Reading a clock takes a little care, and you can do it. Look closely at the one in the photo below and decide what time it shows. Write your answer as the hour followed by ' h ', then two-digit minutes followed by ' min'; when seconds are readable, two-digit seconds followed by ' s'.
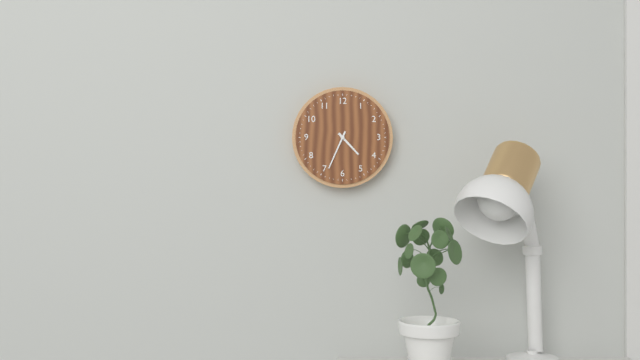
4 h 34 min
